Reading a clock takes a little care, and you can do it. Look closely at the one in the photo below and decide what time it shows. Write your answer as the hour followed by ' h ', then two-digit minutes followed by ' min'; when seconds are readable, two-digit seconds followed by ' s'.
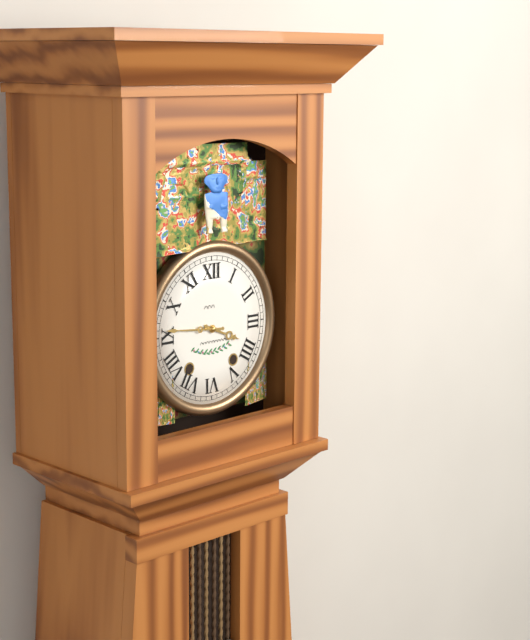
3 h 46 min
